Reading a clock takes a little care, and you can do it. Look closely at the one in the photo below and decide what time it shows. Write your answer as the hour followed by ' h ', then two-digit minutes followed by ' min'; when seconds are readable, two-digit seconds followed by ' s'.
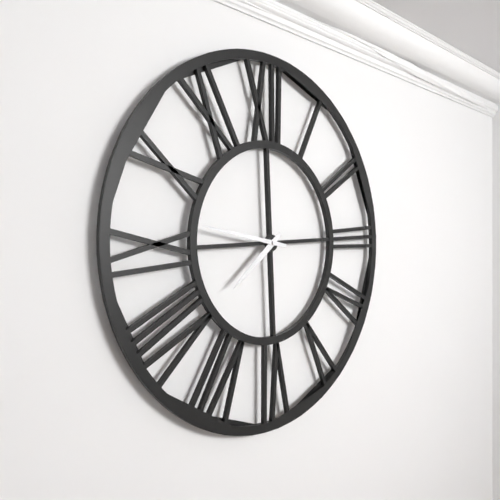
7 h 47 min
